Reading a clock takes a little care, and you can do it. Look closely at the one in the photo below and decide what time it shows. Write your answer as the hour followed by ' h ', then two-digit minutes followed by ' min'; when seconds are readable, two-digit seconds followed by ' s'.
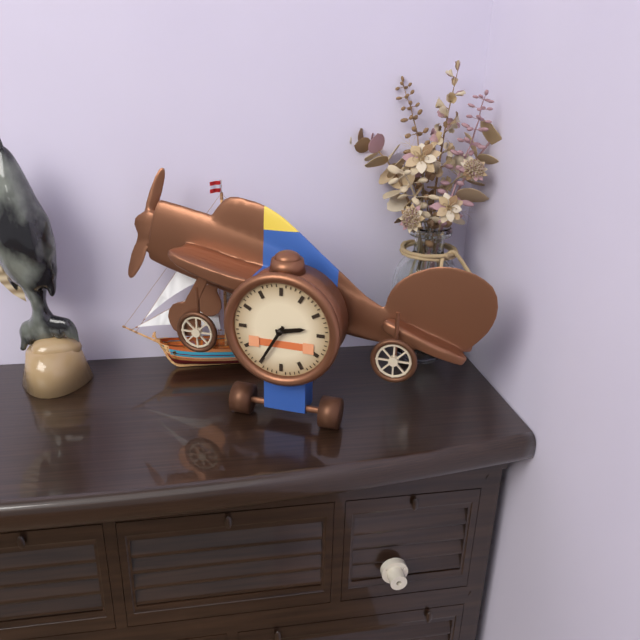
2 h 35 min
